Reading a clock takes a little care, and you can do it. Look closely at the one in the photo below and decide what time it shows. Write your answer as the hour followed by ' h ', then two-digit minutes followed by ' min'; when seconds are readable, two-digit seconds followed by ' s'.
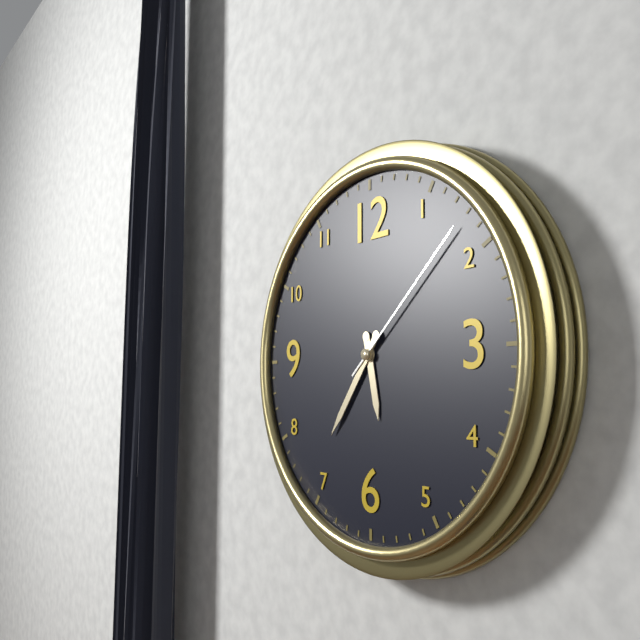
5 h 36 min 08 s
